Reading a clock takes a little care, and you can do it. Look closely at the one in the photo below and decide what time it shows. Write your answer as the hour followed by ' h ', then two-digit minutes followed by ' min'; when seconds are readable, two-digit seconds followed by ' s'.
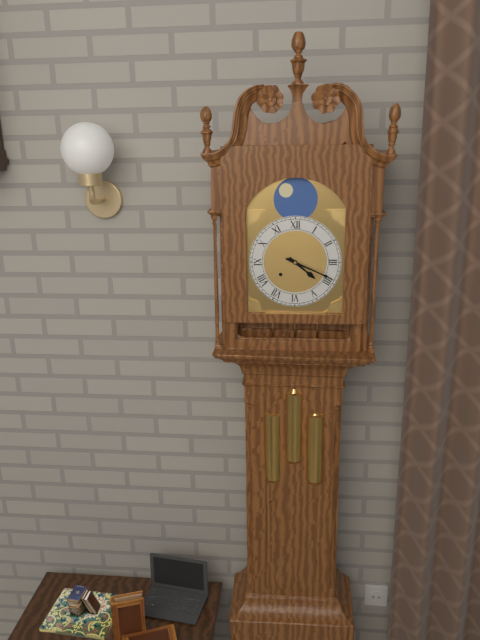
4 h 19 min
